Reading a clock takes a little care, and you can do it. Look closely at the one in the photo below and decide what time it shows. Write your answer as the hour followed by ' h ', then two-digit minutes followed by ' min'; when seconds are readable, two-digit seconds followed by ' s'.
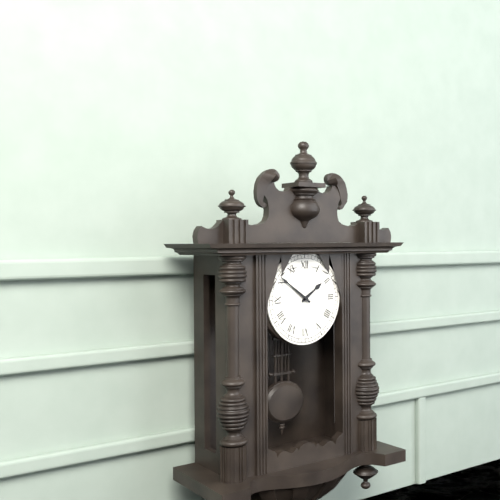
1 h 51 min
